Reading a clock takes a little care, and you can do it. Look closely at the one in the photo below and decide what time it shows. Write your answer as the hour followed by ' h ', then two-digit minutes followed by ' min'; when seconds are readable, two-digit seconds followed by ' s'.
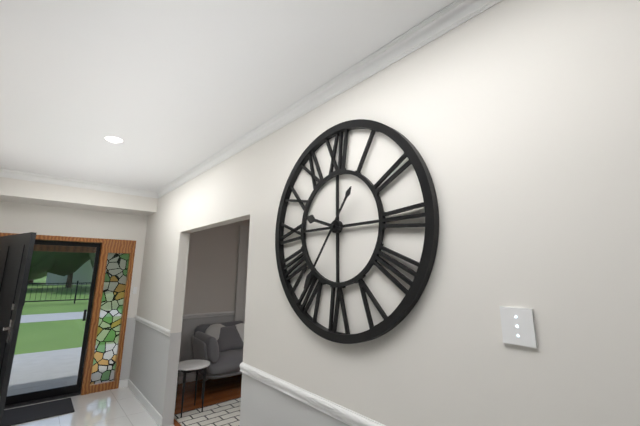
9 h 36 min
